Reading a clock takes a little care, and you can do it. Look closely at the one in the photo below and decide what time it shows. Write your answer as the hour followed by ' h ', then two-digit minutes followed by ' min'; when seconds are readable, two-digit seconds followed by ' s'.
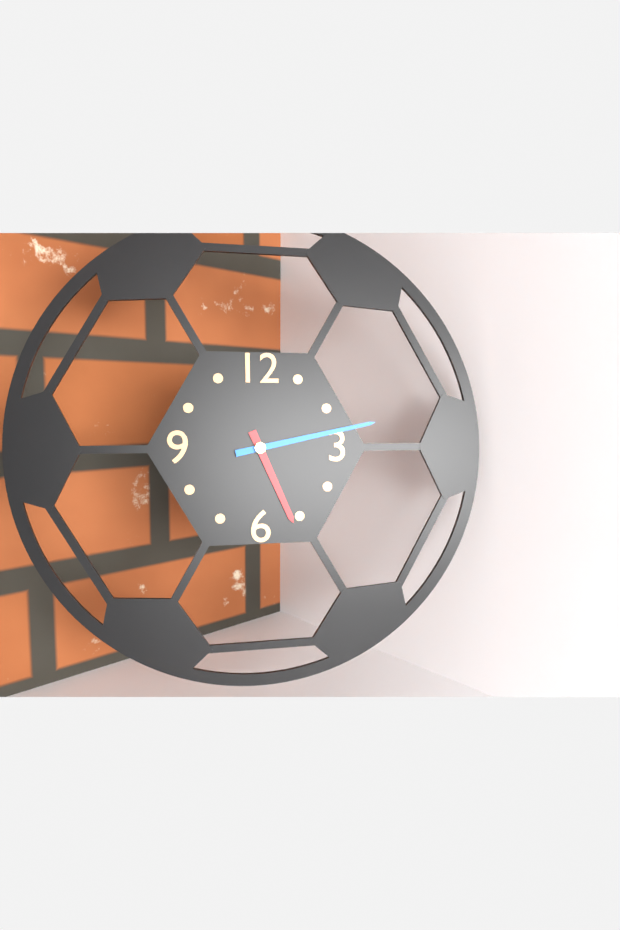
5 h 13 min
